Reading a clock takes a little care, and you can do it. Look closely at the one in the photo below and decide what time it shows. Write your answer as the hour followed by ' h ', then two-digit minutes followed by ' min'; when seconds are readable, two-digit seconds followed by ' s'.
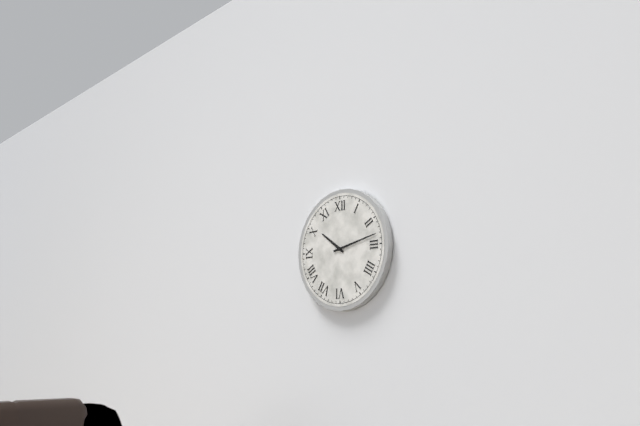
10 h 13 min
